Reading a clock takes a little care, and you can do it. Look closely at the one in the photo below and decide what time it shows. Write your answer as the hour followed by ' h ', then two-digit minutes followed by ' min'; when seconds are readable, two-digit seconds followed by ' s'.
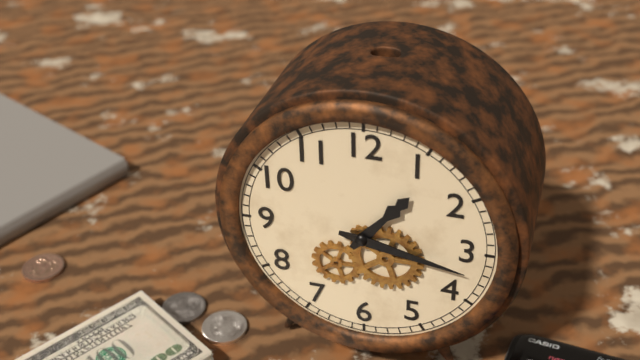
1 h 17 min
